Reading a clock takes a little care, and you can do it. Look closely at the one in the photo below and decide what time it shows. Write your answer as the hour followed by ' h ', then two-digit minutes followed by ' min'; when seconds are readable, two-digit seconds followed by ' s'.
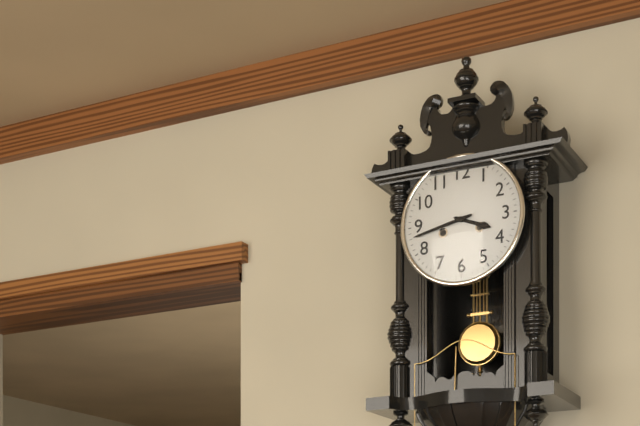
3 h 43 min
